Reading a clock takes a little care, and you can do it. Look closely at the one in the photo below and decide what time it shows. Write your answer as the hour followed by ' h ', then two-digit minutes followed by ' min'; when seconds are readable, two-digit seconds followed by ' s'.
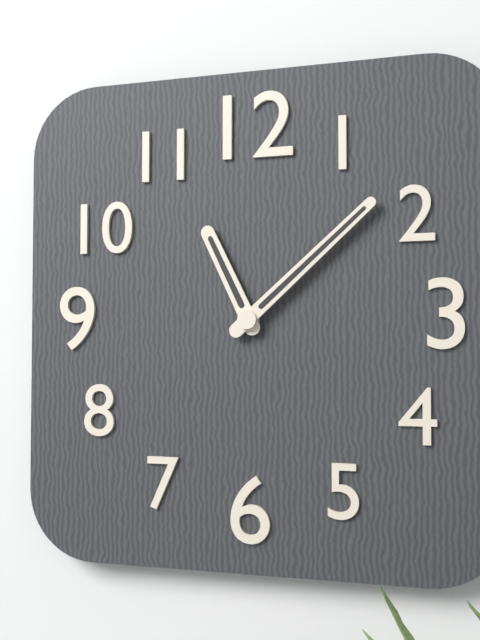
11 h 08 min
